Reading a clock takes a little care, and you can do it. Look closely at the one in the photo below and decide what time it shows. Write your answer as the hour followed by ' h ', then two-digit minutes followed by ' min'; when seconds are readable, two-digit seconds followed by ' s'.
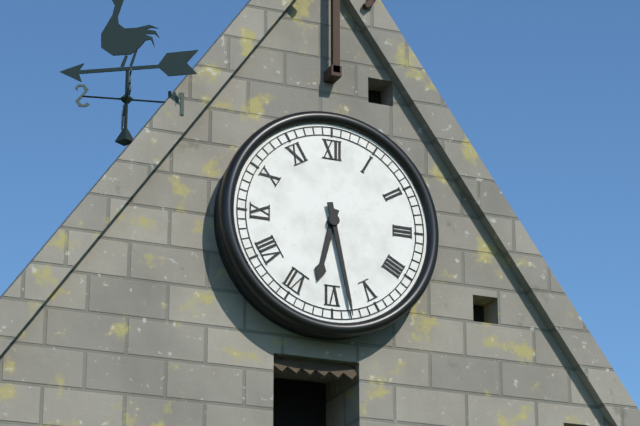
6 h 28 min
